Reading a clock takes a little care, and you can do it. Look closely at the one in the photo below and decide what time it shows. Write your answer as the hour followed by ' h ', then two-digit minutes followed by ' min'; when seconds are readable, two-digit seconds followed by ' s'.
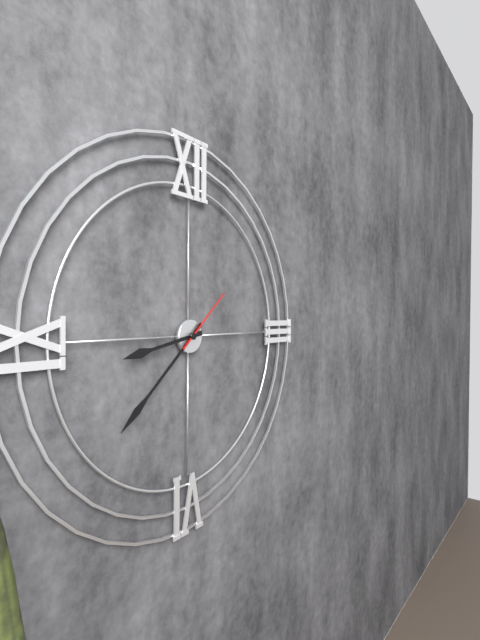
8 h 38 min 08 s
